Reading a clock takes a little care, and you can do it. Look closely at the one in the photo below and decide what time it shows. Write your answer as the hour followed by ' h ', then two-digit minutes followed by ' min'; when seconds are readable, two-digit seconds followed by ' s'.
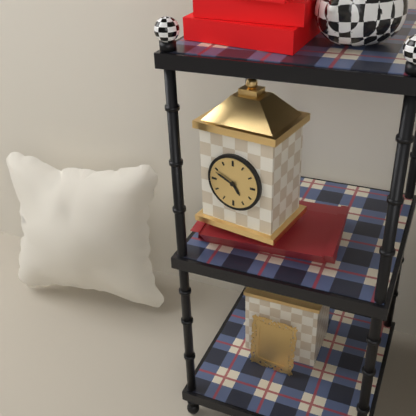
4 h 49 min
